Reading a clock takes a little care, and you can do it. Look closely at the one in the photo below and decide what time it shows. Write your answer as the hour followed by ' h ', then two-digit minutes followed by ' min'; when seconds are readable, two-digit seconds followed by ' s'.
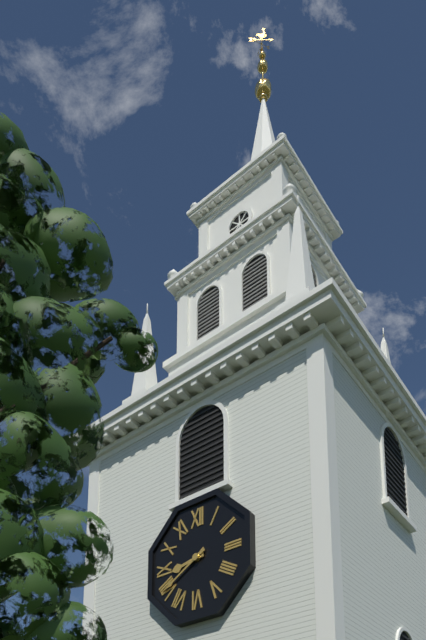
8 h 40 min
